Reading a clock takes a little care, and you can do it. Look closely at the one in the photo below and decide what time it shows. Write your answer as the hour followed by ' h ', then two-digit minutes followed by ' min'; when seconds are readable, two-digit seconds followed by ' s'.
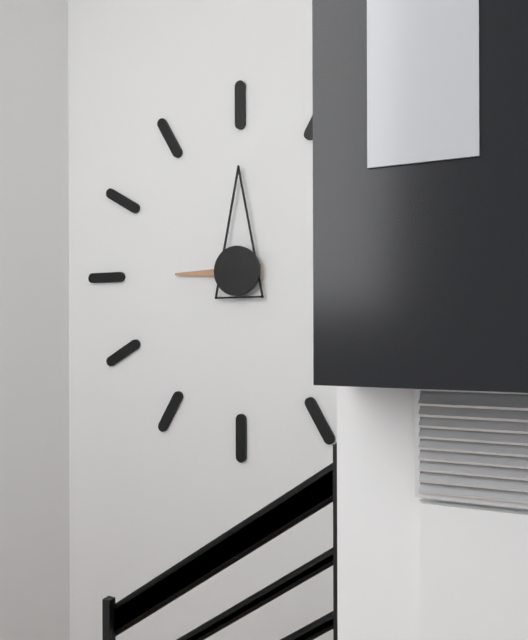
9 h 00 min
